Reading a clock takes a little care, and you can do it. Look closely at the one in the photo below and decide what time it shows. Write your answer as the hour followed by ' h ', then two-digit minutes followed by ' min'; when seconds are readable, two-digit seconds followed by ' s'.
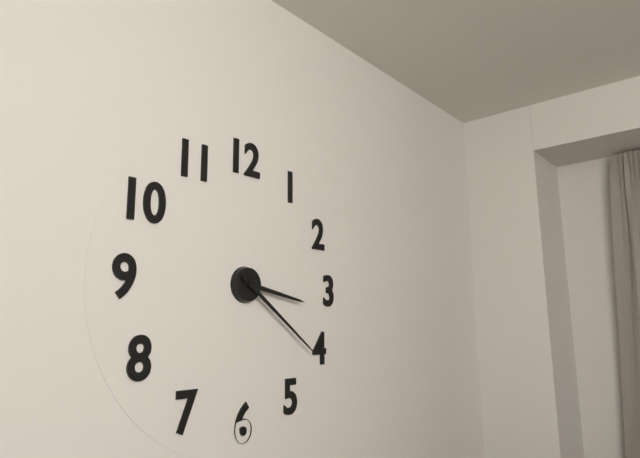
3 h 21 min
